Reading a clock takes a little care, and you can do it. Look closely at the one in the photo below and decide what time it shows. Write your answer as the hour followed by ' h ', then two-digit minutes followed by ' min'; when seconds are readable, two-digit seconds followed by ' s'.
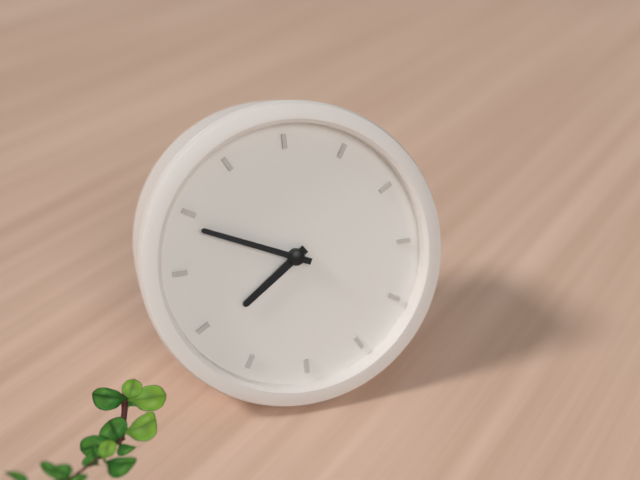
7 h 49 min
